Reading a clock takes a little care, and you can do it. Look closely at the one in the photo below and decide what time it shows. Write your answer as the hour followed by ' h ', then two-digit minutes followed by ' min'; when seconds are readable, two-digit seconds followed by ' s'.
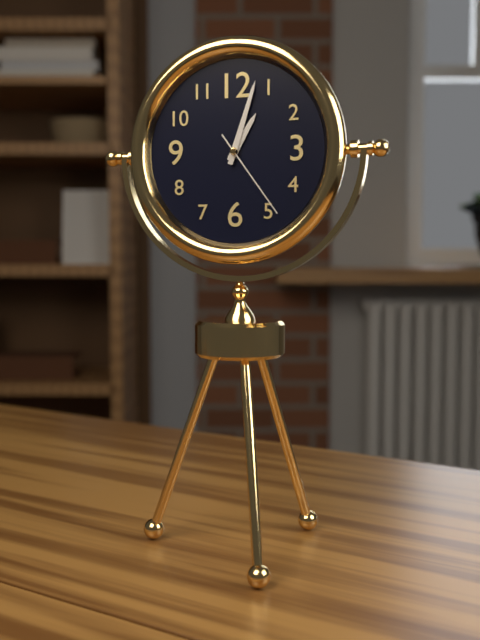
1 h 03 min 24 s
